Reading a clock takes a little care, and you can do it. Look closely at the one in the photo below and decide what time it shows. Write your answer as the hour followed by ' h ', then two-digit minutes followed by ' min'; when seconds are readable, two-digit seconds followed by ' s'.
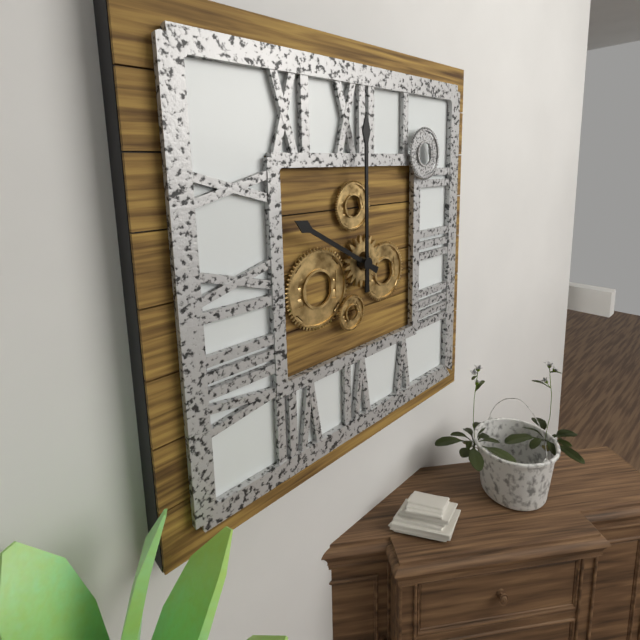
10 h 00 min
